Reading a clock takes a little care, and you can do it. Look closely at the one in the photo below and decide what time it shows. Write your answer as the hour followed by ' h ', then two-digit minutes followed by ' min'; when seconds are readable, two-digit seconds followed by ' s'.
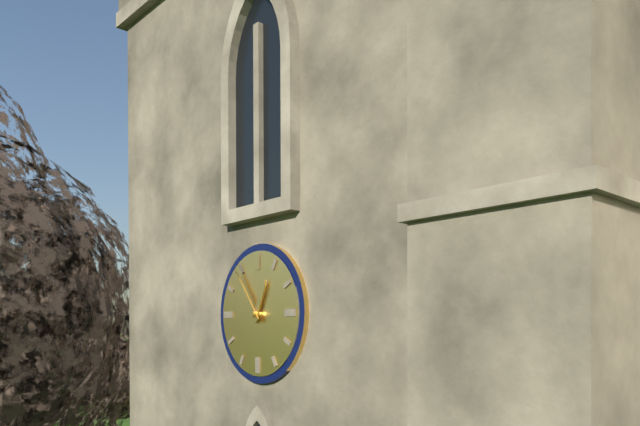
12 h 54 min
